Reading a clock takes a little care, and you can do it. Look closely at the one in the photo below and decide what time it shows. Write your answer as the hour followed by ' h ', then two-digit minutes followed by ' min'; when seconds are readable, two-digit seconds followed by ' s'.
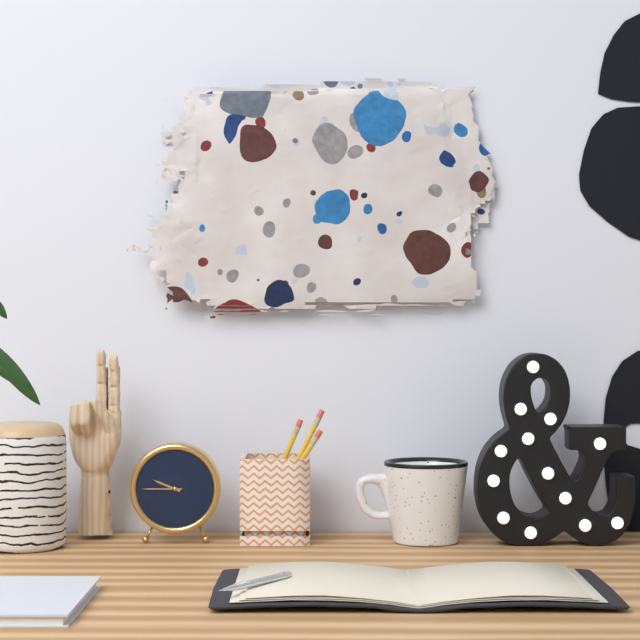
9 h 45 min
